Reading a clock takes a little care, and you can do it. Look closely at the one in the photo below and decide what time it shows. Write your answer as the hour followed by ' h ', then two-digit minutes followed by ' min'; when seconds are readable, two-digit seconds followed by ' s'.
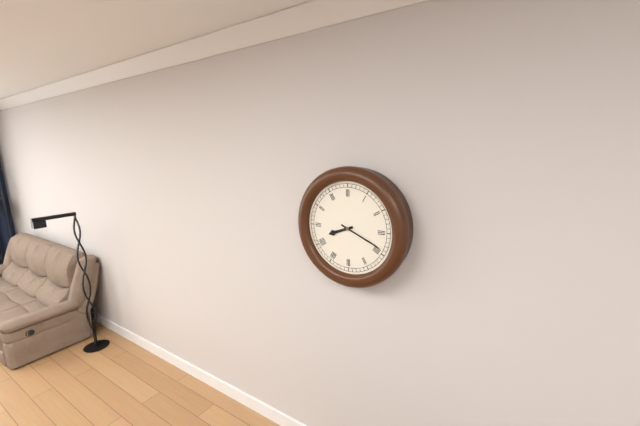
8 h 19 min
